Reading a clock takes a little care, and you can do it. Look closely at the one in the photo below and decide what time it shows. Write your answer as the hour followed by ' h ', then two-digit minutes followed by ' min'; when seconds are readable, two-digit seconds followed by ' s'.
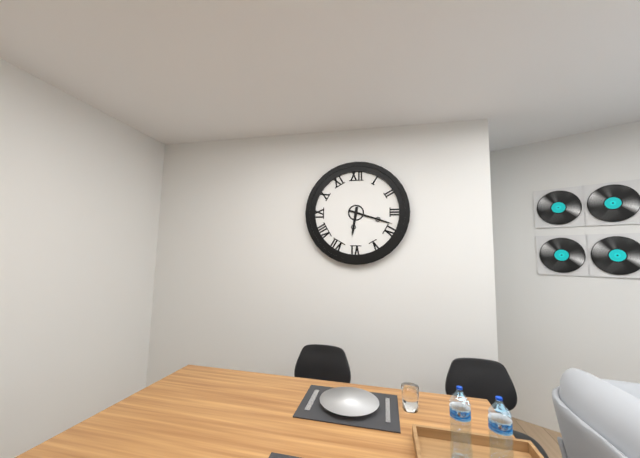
6 h 18 min
